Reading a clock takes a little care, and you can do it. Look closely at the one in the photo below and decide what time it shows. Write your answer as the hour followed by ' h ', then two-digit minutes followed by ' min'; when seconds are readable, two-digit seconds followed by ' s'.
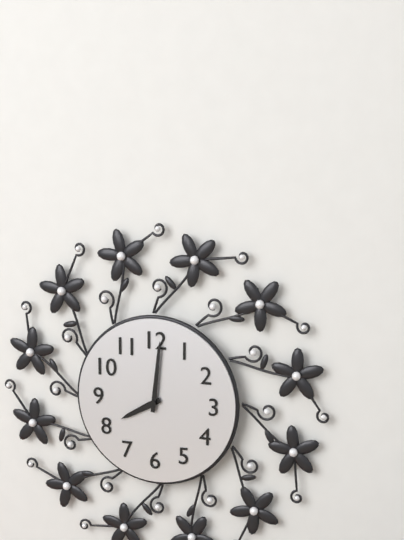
8 h 01 min
